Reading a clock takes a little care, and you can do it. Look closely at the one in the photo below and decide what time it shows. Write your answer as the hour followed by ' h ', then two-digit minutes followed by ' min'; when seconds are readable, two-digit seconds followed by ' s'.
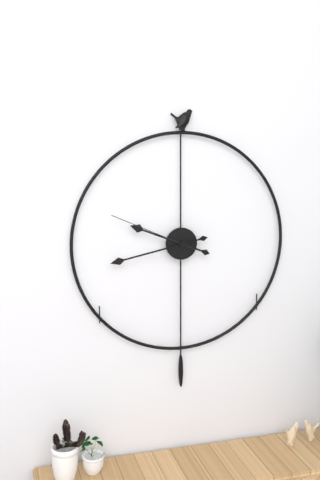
9 h 43 min 49 s
